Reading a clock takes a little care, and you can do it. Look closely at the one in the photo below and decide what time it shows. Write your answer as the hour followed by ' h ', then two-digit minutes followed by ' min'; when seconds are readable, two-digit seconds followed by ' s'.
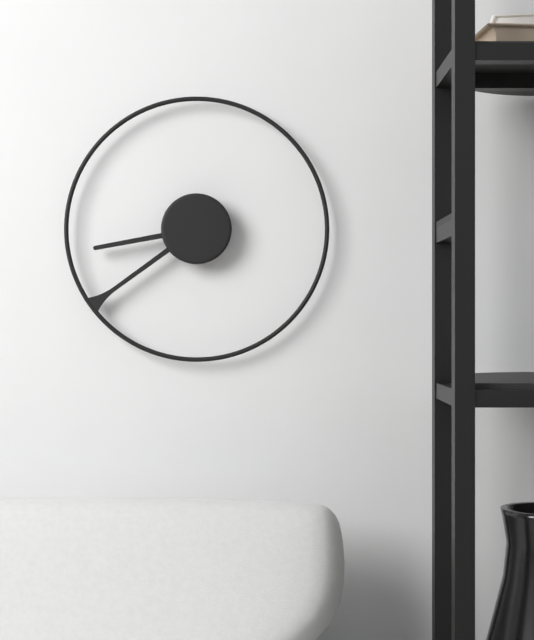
8 h 39 min
